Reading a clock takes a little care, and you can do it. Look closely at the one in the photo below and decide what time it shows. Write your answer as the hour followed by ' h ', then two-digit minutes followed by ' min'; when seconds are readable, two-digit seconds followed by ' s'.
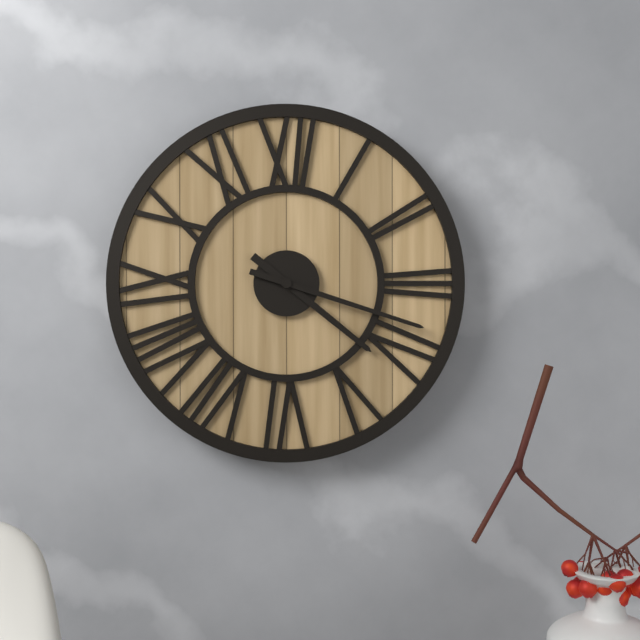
4 h 18 min
